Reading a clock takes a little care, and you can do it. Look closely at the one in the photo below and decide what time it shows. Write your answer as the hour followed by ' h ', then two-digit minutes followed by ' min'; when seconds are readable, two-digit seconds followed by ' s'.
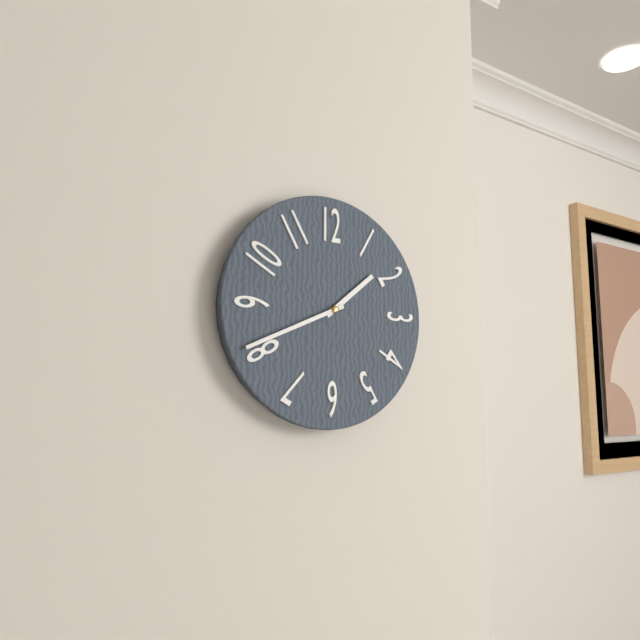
1 h 41 min
